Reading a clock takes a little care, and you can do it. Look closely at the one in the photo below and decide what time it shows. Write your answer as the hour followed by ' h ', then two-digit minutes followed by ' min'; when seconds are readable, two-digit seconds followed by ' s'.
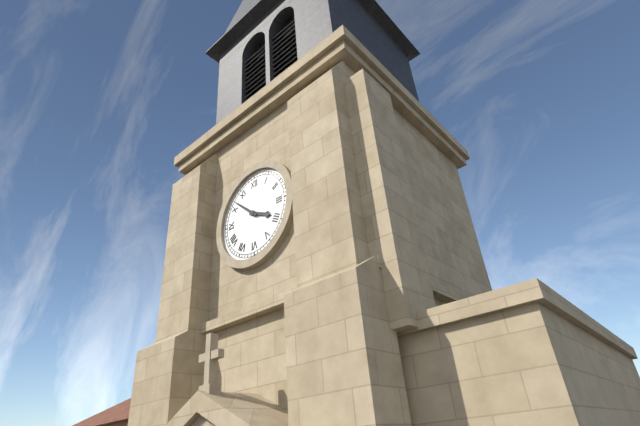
3 h 52 min
